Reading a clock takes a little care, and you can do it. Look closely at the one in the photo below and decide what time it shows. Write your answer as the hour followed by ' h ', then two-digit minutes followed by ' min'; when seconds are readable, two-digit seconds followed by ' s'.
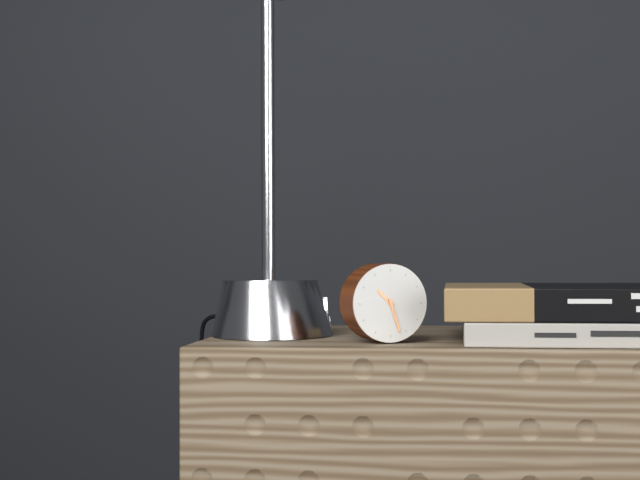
10 h 27 min
